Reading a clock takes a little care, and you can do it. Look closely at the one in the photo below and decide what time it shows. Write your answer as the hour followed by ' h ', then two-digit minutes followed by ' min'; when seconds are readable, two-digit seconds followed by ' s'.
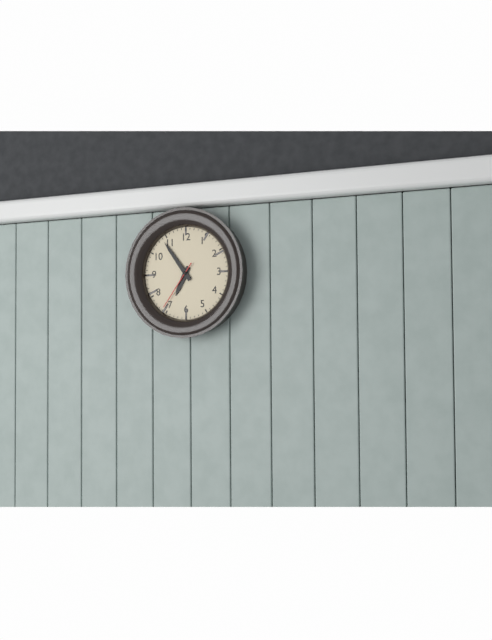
6 h 54 min 36 s
